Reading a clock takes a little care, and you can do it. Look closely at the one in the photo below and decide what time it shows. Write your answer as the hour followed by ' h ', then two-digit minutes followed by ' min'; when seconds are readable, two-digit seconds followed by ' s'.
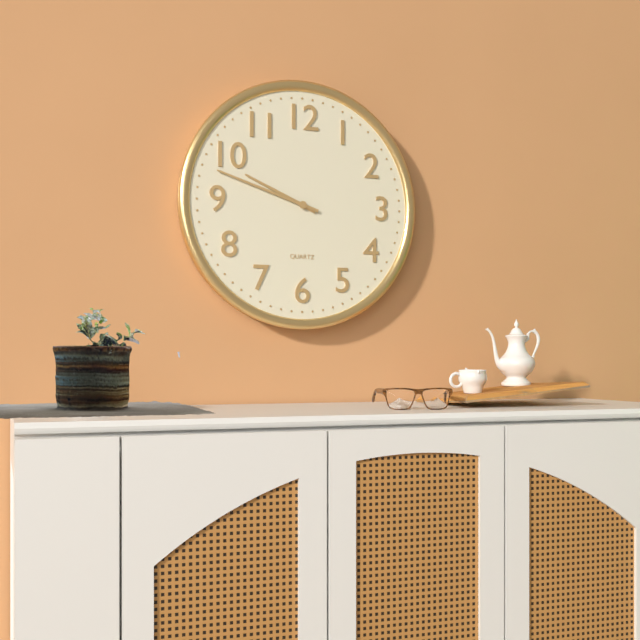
9 h 48 min
